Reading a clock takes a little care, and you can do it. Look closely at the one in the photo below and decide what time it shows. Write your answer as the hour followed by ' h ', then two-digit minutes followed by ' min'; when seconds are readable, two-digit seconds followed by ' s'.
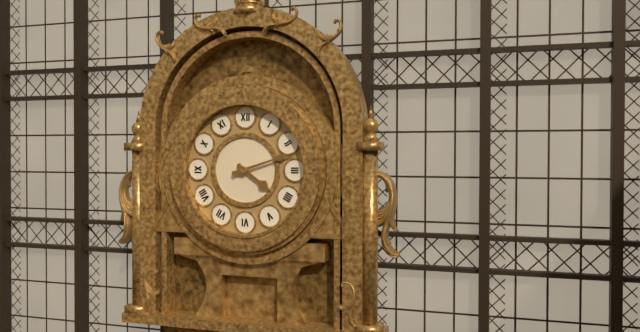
4 h 12 min
